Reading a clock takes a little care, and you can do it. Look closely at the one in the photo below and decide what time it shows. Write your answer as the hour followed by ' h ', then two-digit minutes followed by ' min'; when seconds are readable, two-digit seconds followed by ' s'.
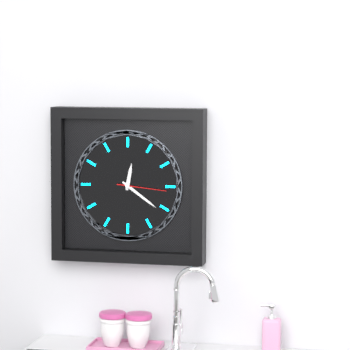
12 h 21 min
